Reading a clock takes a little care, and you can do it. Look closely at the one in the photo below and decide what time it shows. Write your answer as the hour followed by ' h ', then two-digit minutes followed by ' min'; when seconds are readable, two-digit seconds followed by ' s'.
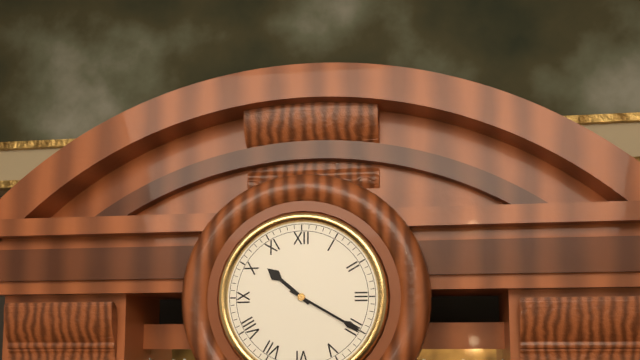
10 h 20 min
